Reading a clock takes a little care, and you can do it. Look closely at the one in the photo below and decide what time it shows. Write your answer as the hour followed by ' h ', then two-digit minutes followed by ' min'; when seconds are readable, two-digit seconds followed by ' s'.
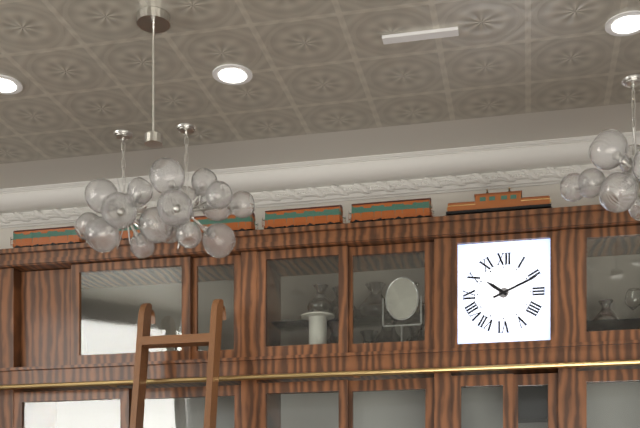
10 h 11 min
